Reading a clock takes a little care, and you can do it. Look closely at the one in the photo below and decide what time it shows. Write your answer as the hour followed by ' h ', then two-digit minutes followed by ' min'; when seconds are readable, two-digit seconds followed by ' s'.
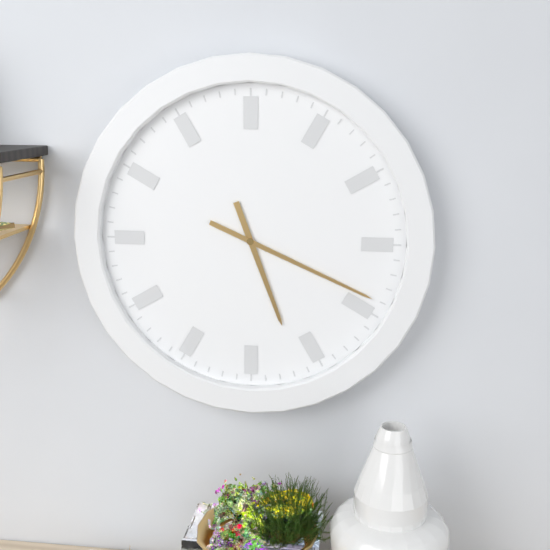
5 h 19 min
